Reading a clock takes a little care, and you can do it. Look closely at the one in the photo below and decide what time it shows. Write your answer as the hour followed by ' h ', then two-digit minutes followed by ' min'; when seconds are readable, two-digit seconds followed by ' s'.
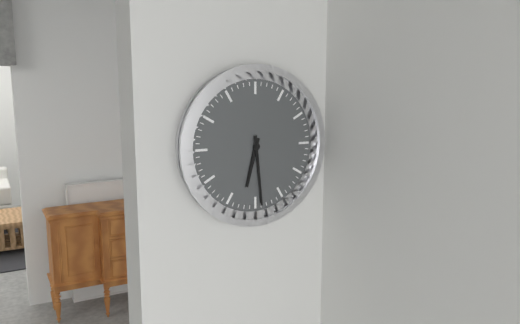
6 h 29 min
